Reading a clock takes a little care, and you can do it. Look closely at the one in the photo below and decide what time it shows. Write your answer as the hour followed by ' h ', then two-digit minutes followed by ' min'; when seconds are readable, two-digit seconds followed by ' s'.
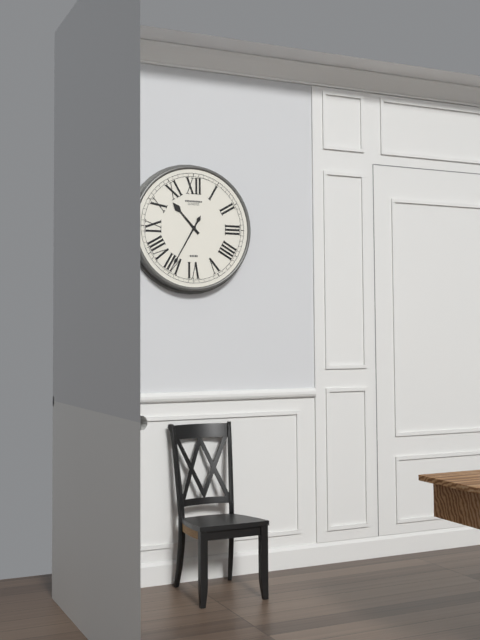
10 h 35 min
